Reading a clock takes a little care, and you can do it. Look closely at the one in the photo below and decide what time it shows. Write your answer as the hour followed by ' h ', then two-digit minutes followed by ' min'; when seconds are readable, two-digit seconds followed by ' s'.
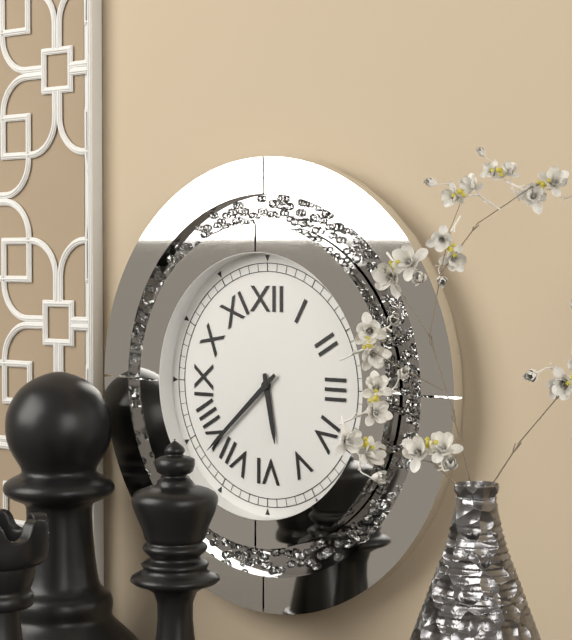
5 h 38 min
